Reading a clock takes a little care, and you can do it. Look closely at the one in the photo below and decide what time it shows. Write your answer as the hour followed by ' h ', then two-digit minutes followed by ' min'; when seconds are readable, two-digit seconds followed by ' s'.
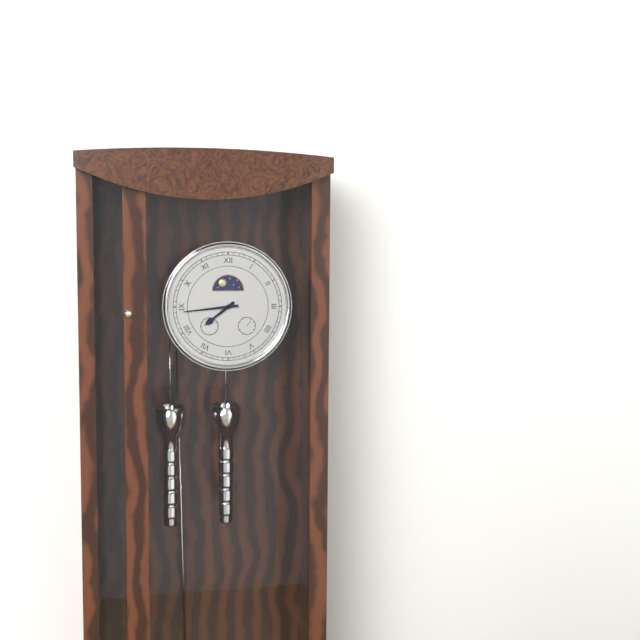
7 h 44 min
